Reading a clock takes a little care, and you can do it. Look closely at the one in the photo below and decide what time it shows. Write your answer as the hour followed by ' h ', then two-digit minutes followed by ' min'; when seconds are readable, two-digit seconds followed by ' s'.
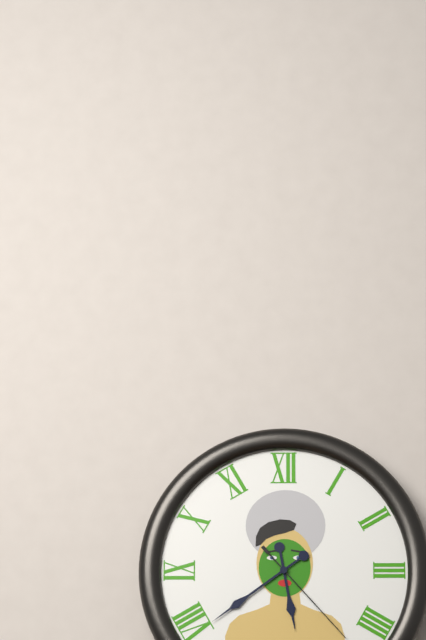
5 h 39 min 23 s
